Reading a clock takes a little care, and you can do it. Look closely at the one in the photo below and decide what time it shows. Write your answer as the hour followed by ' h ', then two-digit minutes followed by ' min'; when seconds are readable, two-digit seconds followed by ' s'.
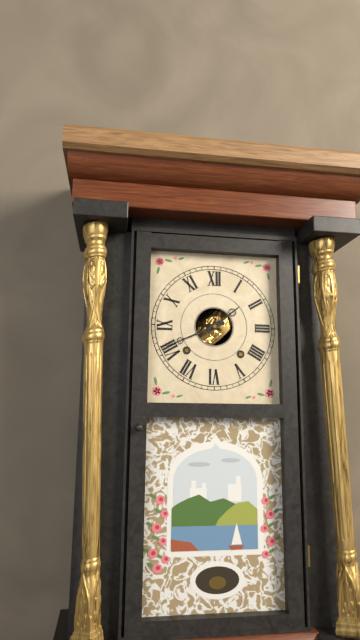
1 h 41 min
